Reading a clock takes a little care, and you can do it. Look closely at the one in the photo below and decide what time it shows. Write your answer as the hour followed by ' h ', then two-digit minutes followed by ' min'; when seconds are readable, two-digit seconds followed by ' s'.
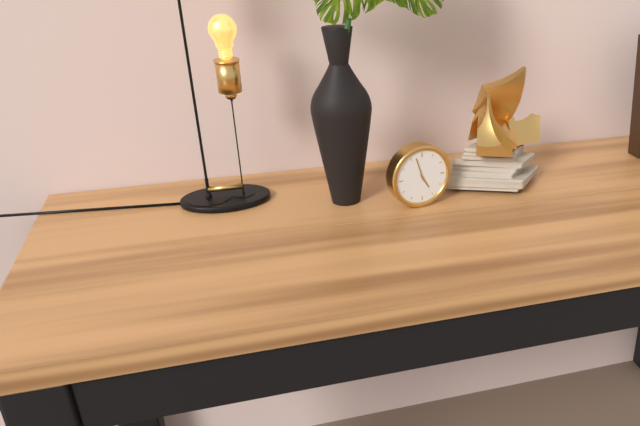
4 h 57 min
